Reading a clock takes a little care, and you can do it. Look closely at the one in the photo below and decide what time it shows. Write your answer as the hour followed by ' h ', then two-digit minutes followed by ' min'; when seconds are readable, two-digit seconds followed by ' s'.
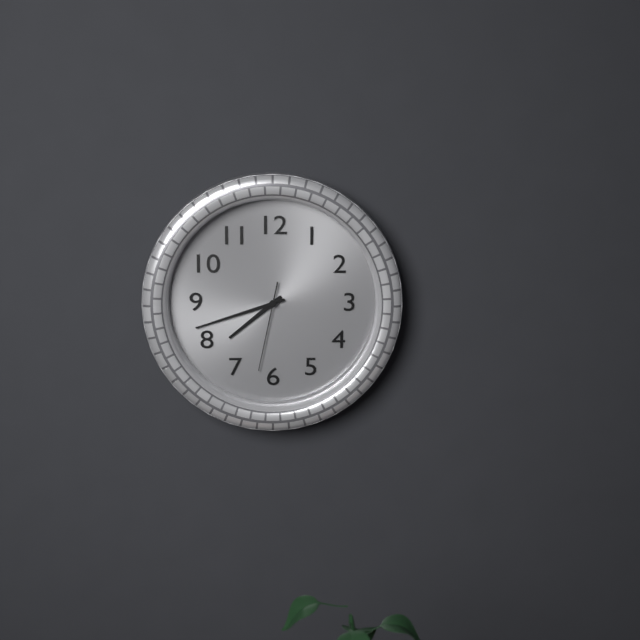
7 h 42 min 32 s
